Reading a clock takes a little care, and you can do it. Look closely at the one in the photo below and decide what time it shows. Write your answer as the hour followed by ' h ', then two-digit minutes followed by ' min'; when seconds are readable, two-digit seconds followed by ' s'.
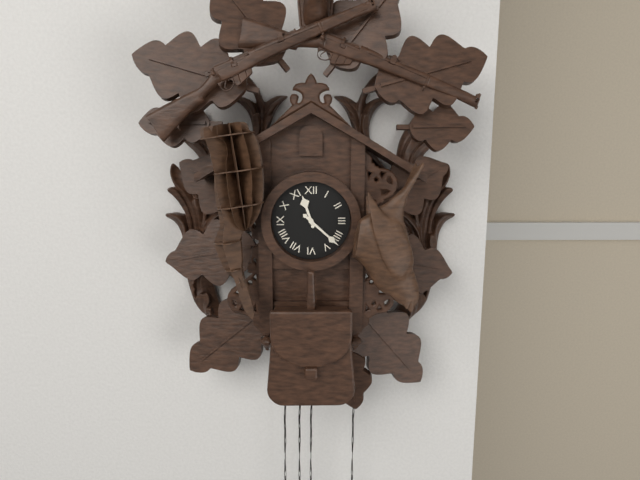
11 h 22 min
